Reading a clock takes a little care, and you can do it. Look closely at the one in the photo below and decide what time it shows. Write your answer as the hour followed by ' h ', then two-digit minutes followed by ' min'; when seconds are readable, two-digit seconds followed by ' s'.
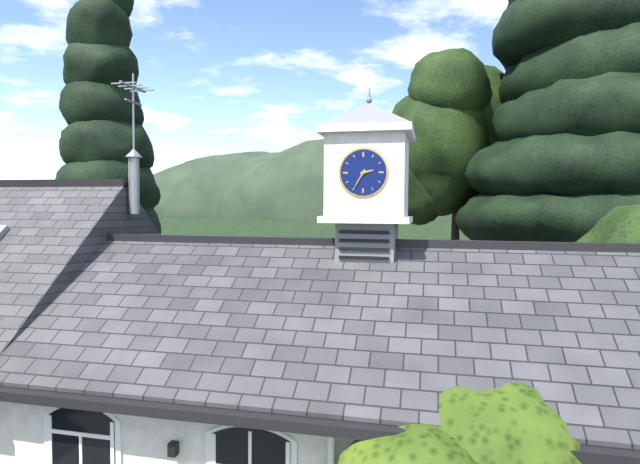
2 h 35 min
